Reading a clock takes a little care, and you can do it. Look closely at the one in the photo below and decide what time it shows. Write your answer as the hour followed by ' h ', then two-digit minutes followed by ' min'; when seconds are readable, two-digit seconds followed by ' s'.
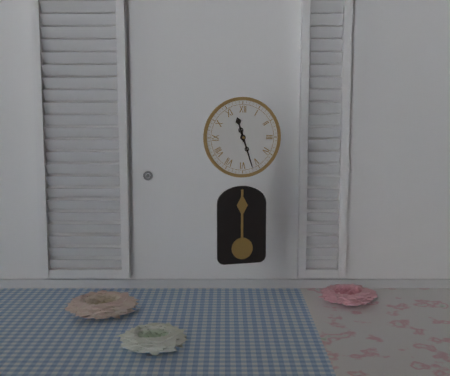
11 h 27 min
